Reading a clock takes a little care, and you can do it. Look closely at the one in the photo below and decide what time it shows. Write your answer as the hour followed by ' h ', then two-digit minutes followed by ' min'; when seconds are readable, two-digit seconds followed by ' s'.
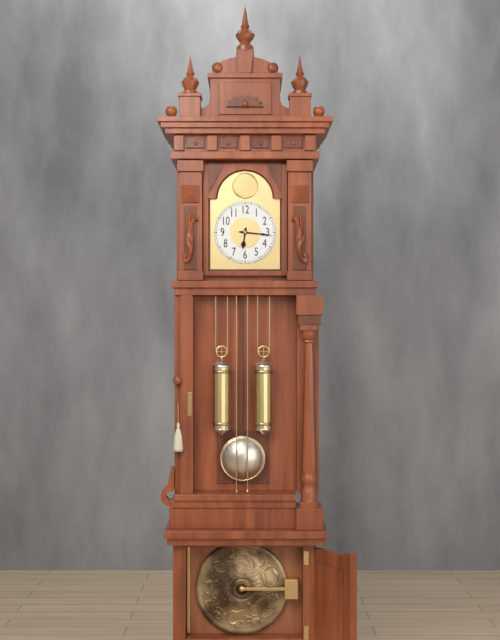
6 h 16 min
